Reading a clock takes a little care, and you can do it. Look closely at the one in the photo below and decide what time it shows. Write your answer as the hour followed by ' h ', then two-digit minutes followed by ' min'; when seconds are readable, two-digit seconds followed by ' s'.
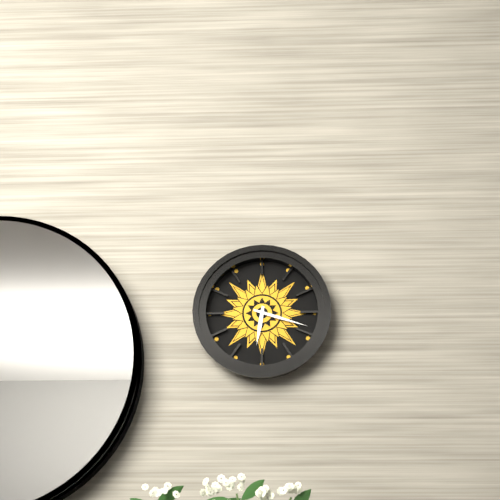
6 h 18 min
